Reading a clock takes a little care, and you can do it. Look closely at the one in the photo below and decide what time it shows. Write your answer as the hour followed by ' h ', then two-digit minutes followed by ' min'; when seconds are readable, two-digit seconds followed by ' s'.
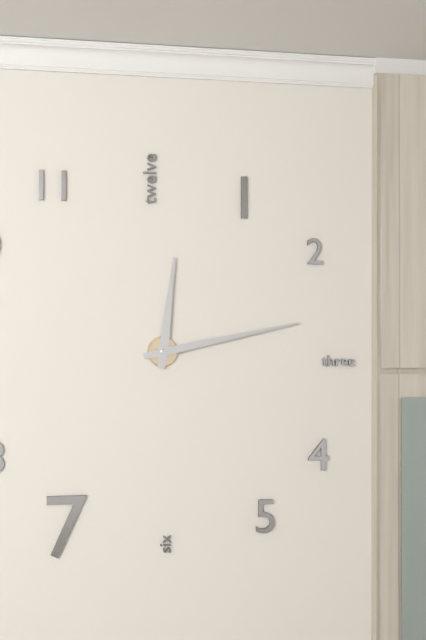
12 h 13 min
